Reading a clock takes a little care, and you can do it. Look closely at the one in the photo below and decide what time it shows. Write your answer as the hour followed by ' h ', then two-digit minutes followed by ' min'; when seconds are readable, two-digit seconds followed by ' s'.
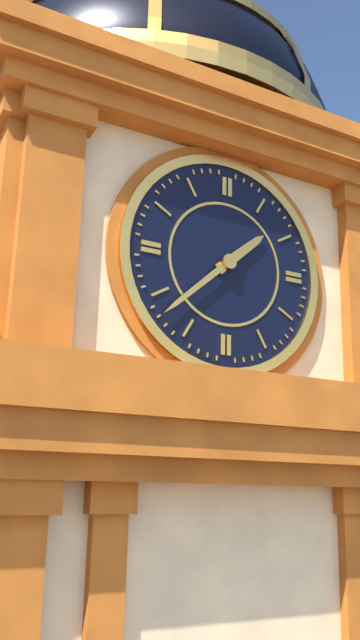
1 h 38 min
